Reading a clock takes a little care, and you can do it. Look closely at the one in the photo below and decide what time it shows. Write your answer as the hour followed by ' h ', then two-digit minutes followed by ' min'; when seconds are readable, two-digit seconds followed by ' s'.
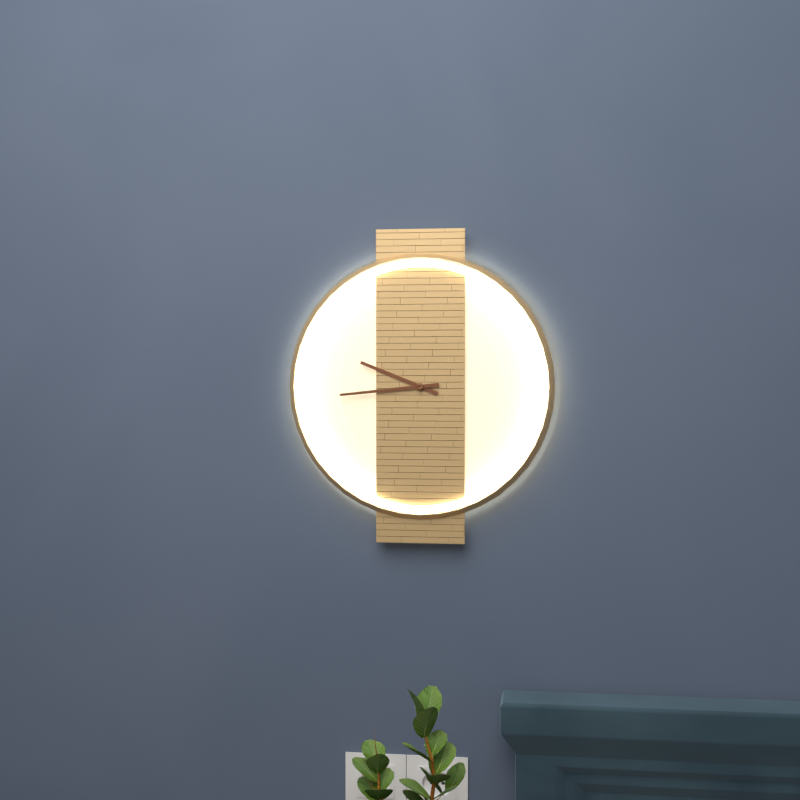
9 h 44 min
